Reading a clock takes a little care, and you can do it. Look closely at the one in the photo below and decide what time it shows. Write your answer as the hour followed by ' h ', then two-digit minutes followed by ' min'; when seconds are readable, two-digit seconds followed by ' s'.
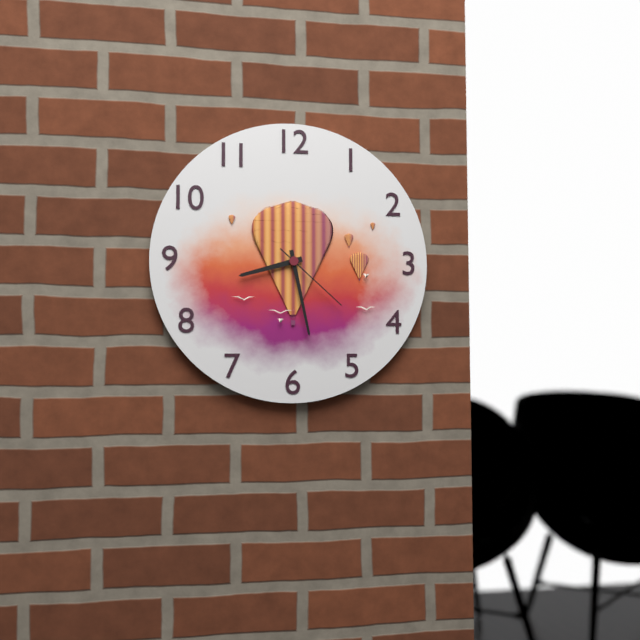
8 h 28 min 22 s
